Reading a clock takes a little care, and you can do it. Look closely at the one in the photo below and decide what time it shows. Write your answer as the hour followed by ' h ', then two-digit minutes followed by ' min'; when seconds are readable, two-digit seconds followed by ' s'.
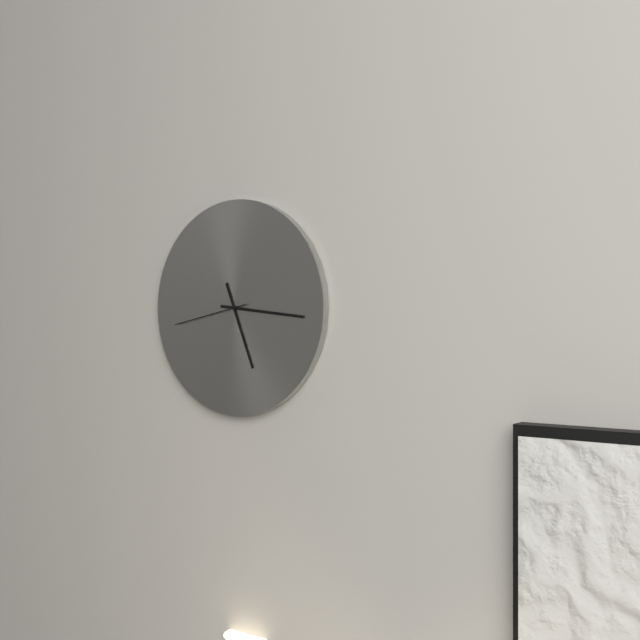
5 h 16 min 43 s
